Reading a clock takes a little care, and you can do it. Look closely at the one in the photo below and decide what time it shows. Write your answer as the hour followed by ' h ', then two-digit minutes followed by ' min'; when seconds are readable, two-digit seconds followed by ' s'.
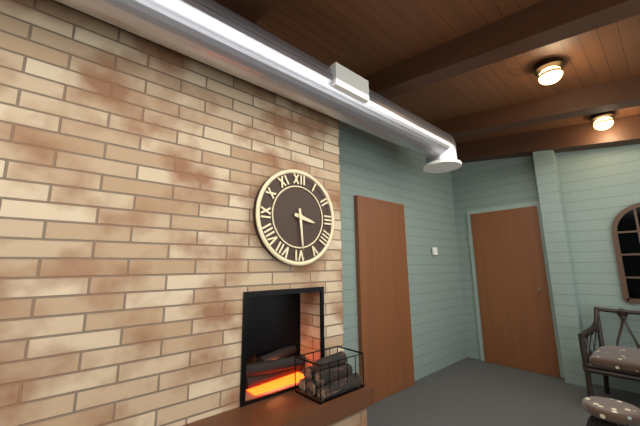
3 h 29 min
